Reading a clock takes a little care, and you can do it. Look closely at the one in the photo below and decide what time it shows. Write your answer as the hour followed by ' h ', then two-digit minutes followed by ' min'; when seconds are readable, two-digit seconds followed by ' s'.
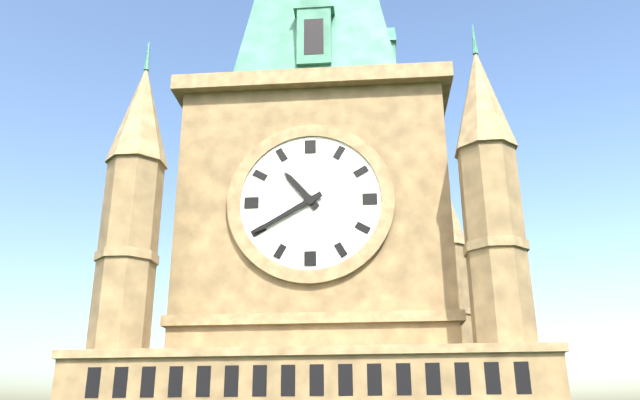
10 h 40 min
